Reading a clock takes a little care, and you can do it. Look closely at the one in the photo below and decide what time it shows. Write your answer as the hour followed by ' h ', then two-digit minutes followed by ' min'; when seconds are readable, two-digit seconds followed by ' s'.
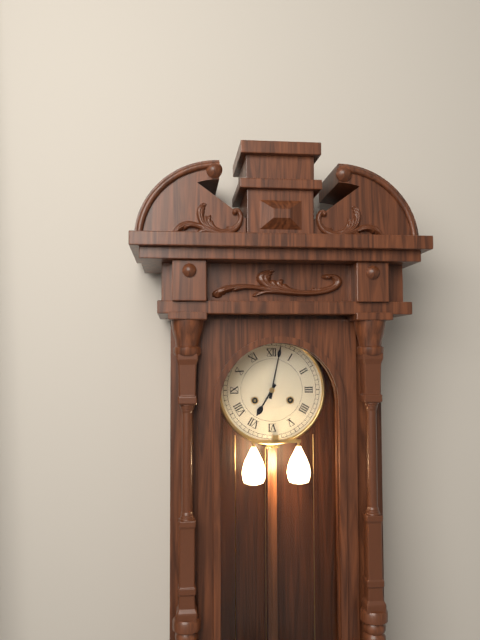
7 h 02 min
